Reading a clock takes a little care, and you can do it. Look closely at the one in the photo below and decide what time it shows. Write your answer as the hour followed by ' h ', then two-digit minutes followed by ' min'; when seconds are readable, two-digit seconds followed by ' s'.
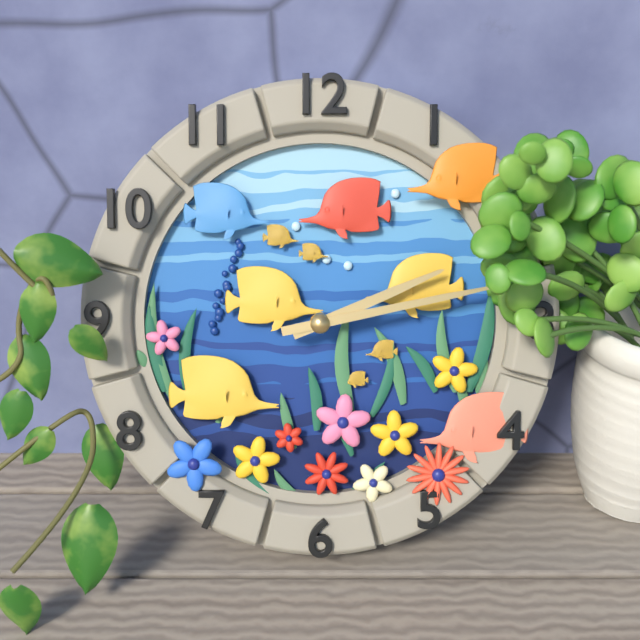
2 h 13 min
